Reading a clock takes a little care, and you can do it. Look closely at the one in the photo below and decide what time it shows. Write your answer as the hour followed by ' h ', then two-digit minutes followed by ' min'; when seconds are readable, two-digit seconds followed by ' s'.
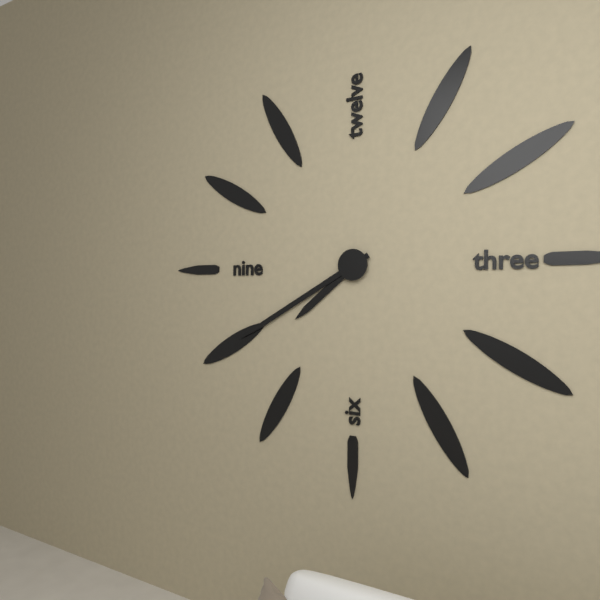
7 h 40 min
